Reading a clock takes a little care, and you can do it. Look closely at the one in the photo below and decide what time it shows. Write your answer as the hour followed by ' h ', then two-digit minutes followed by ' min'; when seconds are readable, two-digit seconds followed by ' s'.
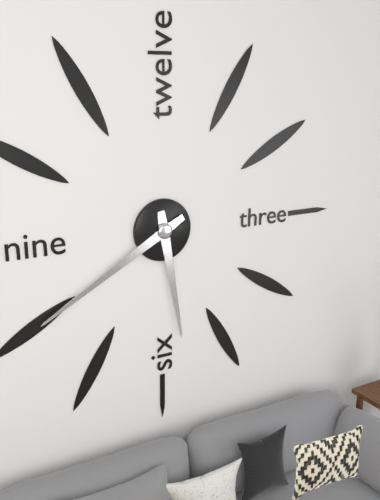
5 h 40 min
